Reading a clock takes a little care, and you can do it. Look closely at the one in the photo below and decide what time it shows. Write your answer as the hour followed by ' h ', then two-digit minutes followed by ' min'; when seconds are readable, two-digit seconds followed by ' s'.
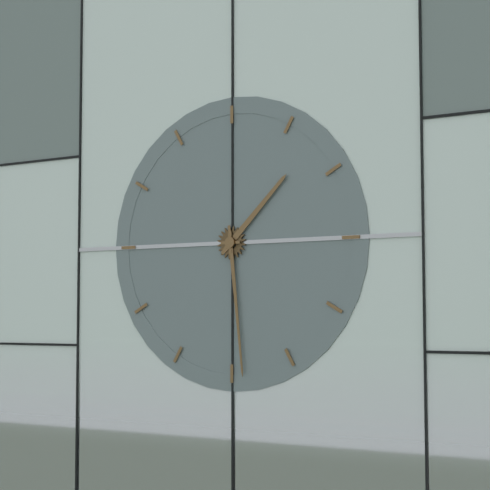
1 h 29 min
